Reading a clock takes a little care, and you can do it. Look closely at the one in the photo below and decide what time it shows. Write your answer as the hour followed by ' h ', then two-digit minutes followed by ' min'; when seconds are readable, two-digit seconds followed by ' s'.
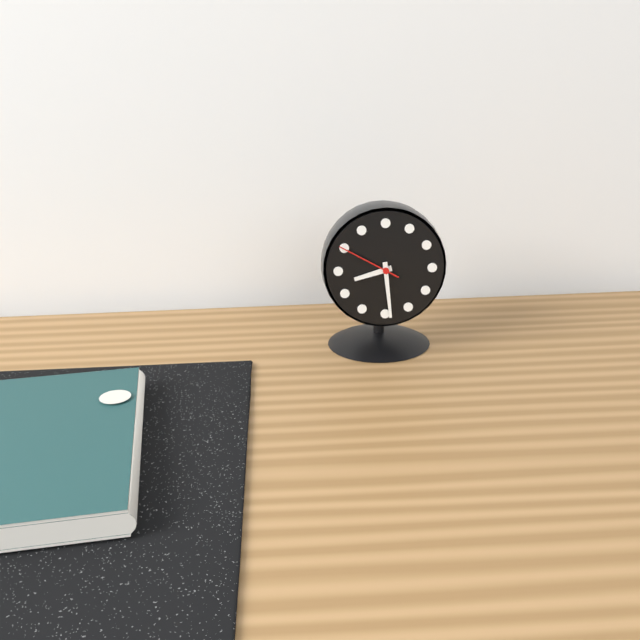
8 h 29 min 50 s
